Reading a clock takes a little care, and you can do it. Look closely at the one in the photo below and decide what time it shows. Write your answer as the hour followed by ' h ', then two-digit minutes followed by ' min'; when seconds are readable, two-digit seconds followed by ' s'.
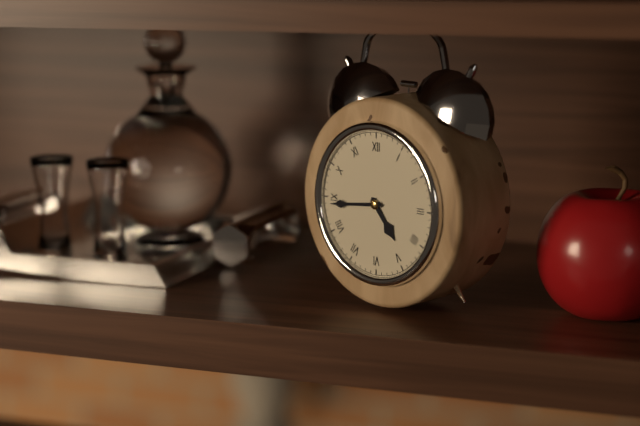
4 h 44 min
